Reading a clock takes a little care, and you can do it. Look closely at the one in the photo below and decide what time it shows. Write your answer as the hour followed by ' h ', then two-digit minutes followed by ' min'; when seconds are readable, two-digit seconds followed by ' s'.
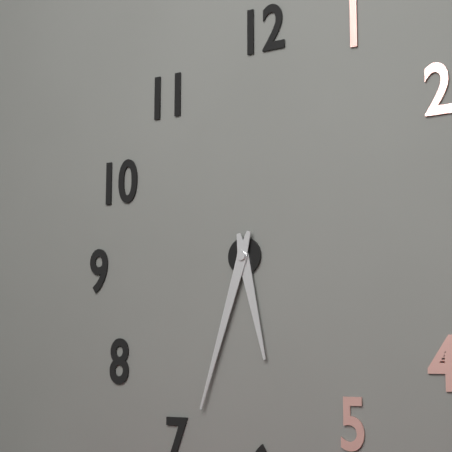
5 h 33 min
